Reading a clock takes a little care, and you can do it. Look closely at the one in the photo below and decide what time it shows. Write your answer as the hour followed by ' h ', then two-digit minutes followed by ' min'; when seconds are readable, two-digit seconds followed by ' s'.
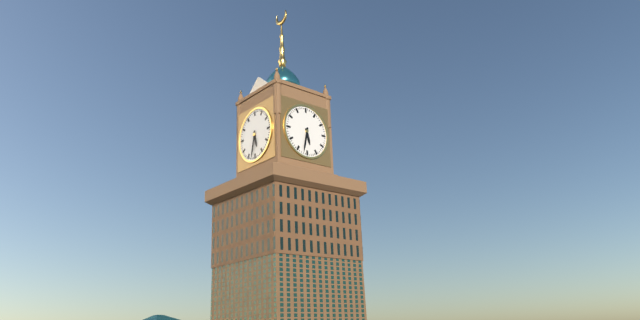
5 h 32 min
